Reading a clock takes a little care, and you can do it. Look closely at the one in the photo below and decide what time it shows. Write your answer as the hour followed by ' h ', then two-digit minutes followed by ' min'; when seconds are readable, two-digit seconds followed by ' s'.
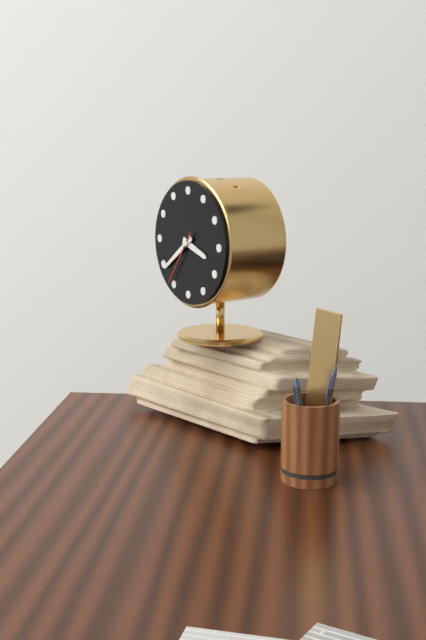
3 h 39 min 36 s
